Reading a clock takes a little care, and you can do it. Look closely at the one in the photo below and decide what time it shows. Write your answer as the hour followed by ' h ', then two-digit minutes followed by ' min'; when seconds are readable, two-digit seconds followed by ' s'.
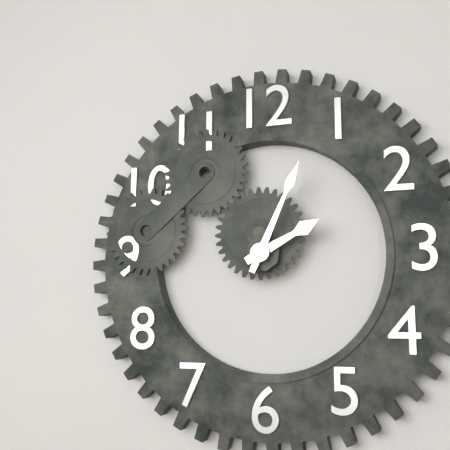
2 h 04 min
